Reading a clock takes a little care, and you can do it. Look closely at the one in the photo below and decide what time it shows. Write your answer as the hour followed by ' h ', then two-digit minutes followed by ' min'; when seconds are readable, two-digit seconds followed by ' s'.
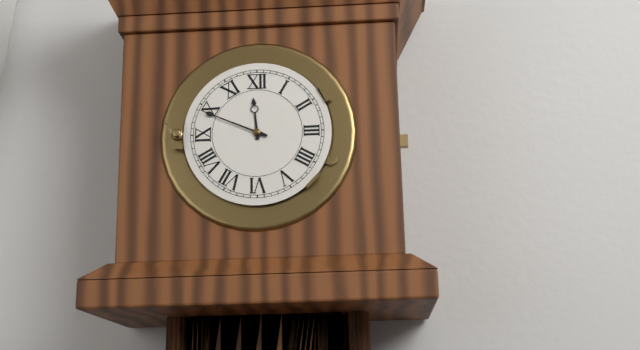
11 h 49 min
